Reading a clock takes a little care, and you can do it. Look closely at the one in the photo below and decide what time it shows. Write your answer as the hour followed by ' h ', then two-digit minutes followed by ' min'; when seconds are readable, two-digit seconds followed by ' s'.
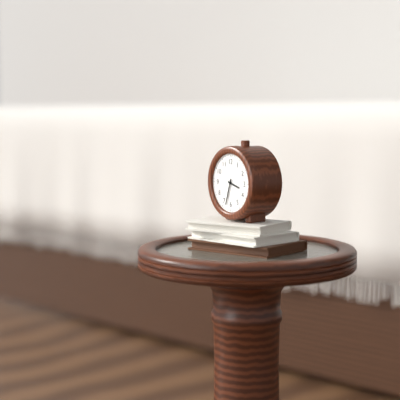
3 h 33 min
